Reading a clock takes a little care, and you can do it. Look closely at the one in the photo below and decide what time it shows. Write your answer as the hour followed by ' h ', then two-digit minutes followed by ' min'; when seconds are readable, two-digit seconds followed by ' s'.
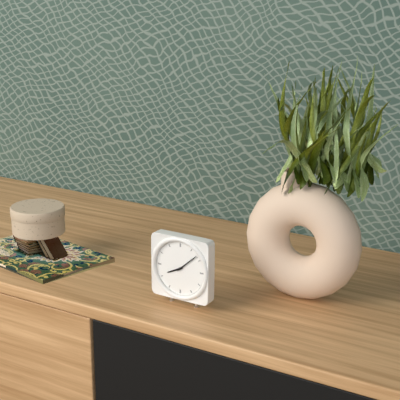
8 h 08 min
